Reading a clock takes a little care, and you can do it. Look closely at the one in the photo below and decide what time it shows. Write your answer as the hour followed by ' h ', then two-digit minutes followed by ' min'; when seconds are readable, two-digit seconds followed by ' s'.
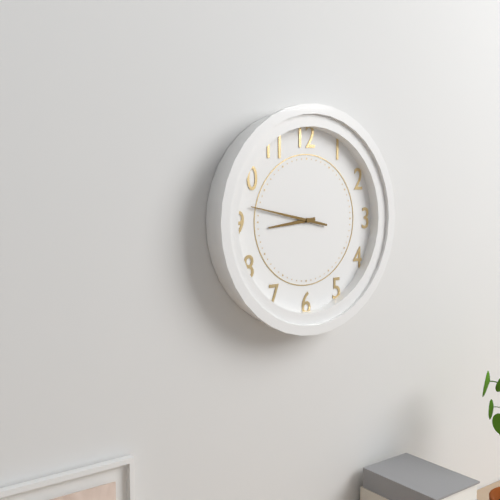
8 h 47 min
